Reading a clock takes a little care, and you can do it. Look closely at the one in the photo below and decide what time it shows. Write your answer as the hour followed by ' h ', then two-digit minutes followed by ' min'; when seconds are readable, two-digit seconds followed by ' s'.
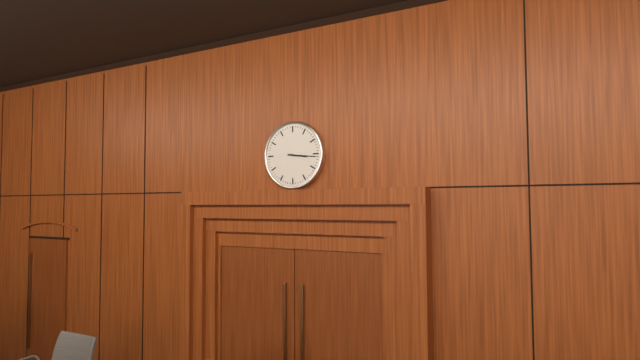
3 h 16 min
